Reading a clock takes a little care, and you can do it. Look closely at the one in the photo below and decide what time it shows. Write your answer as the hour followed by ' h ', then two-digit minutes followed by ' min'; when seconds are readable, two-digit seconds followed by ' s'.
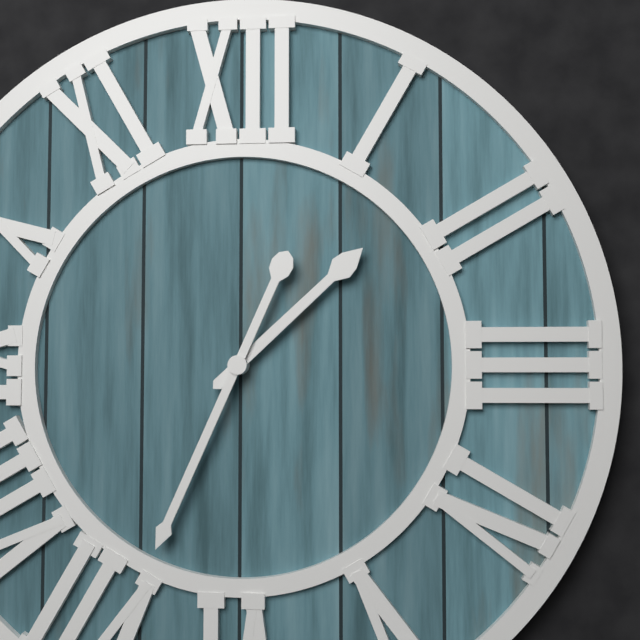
1 h 34 min
